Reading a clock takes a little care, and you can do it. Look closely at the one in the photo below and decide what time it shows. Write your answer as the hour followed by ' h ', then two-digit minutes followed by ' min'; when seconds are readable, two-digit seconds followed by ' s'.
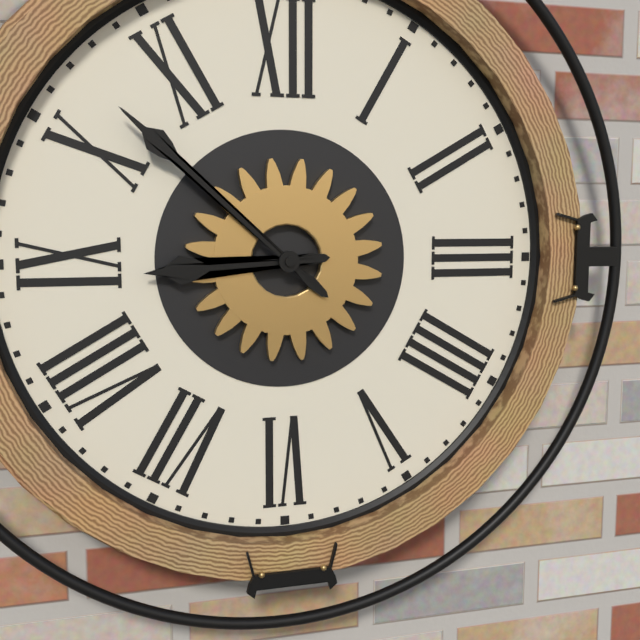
8 h 52 min
